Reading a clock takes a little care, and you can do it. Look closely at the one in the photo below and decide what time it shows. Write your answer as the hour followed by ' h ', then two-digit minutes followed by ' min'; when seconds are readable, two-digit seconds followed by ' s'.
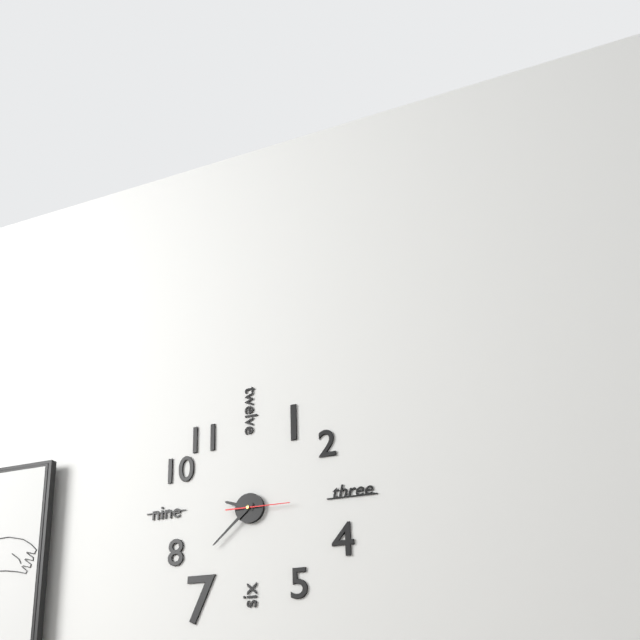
9 h 38 min
